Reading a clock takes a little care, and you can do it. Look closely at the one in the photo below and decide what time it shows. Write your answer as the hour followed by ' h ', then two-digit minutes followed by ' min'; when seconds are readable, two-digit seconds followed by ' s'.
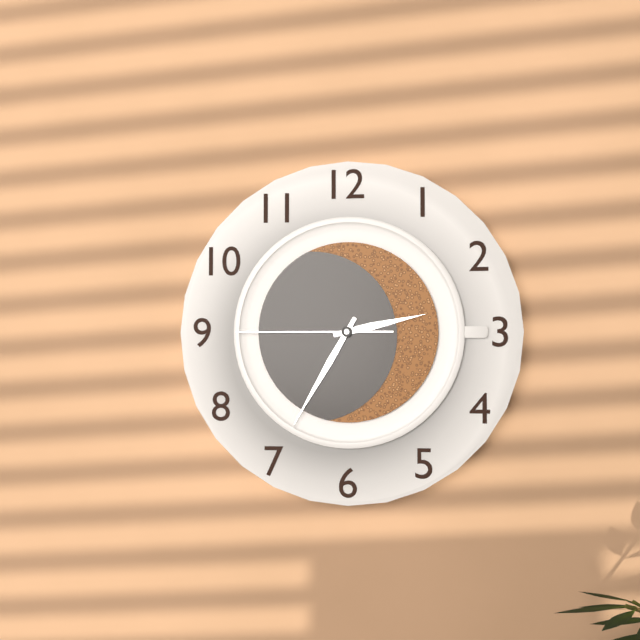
2 h 35 min 45 s
